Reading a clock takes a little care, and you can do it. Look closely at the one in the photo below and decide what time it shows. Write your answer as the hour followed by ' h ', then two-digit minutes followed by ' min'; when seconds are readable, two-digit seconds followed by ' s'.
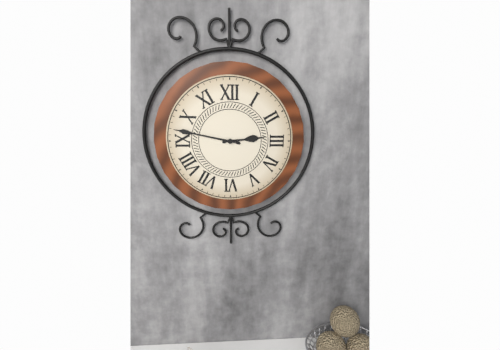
2 h 47 min
